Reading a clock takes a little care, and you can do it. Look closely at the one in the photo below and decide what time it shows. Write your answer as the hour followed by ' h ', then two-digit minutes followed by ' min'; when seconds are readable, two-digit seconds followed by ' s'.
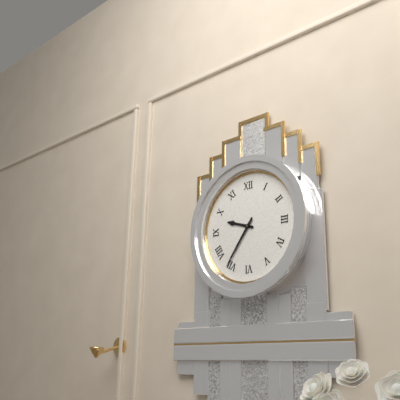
9 h 36 min
